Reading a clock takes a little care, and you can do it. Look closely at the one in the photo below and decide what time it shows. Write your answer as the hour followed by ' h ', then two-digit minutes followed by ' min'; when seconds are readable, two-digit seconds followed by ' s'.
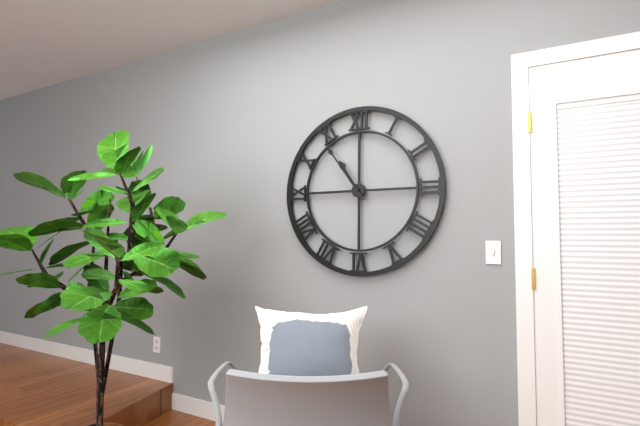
10 h 54 min
